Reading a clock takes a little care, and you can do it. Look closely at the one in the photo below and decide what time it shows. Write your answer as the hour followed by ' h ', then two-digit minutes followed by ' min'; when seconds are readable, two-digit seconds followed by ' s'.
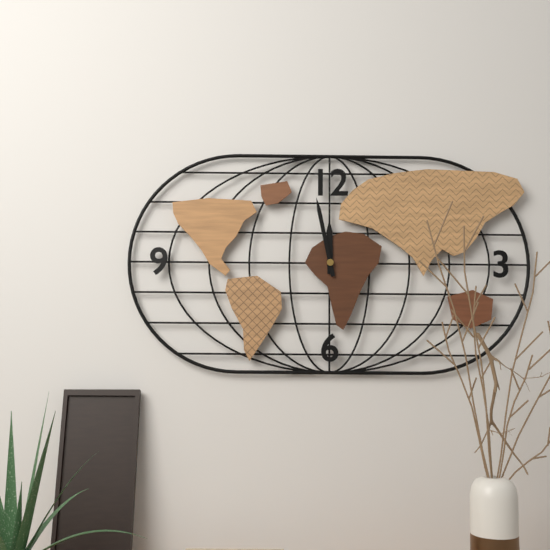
11 h 58 min
